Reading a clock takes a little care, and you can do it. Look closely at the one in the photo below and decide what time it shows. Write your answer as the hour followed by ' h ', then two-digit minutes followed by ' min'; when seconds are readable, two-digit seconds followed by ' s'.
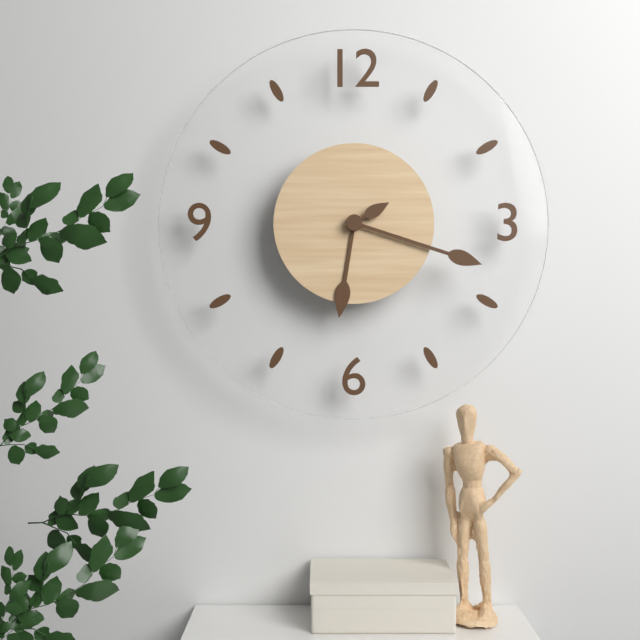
6 h 18 min 10 s
